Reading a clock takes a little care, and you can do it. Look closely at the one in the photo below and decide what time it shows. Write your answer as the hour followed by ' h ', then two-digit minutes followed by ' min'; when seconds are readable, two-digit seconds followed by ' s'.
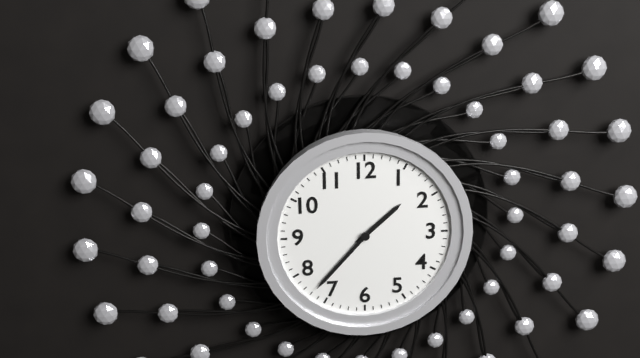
1 h 37 min
